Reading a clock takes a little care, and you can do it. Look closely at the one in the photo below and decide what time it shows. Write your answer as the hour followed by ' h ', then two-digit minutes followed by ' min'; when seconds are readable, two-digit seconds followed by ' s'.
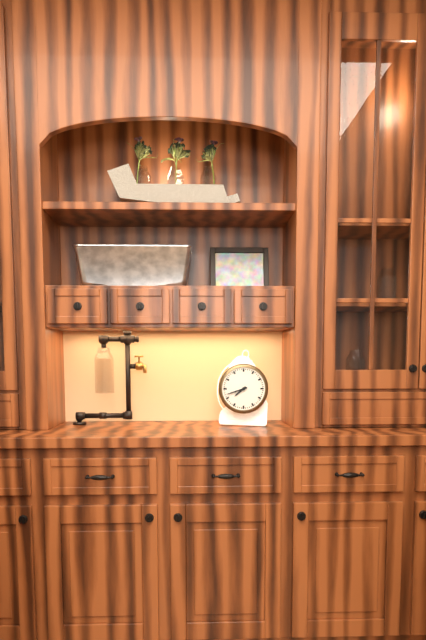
7 h 42 min
